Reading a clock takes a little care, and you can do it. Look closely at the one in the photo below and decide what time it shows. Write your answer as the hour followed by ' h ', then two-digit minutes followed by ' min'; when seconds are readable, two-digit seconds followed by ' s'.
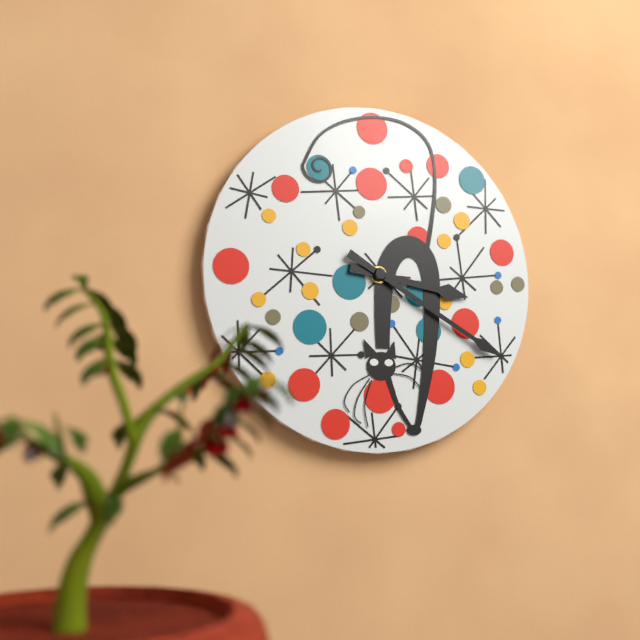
3 h 20 min
